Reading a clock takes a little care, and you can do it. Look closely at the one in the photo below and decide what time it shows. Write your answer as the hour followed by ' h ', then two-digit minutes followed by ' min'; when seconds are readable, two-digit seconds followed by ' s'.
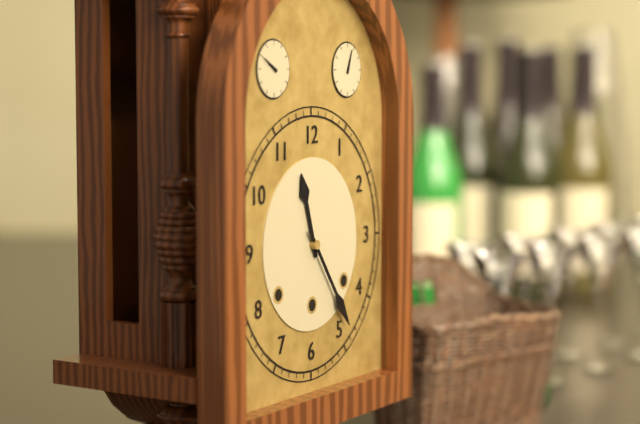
11 h 24 min
